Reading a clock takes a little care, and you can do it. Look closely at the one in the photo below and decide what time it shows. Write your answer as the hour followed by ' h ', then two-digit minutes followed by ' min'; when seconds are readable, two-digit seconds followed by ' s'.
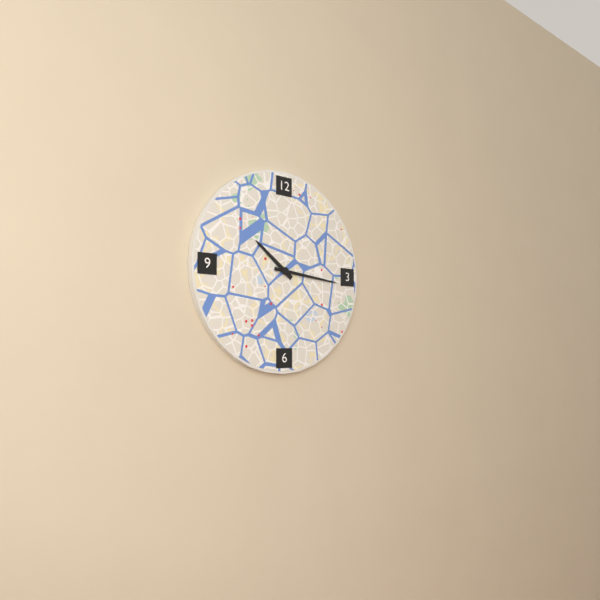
10 h 16 min
